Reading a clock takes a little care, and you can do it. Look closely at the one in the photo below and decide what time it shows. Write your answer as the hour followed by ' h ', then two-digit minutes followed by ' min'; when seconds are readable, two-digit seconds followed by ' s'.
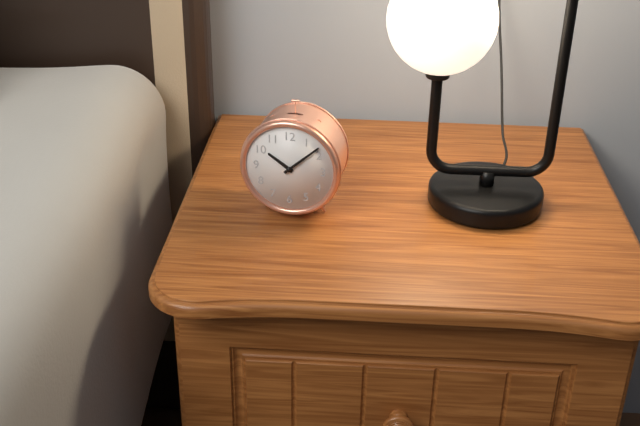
10 h 08 min
